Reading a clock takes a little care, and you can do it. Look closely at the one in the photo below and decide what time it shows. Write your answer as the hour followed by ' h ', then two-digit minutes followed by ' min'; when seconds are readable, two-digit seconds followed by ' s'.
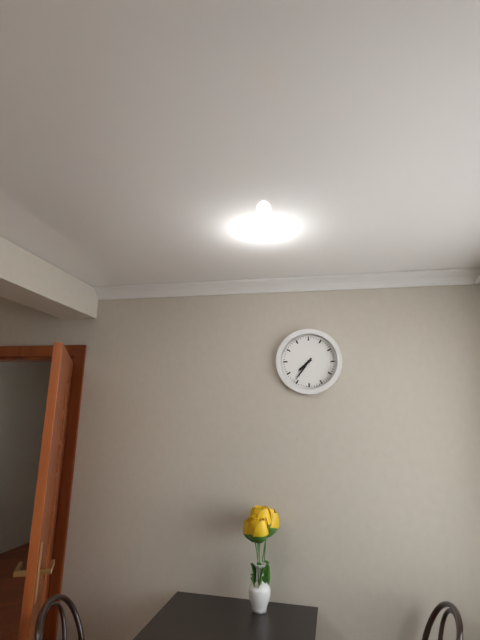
7 h 36 min
